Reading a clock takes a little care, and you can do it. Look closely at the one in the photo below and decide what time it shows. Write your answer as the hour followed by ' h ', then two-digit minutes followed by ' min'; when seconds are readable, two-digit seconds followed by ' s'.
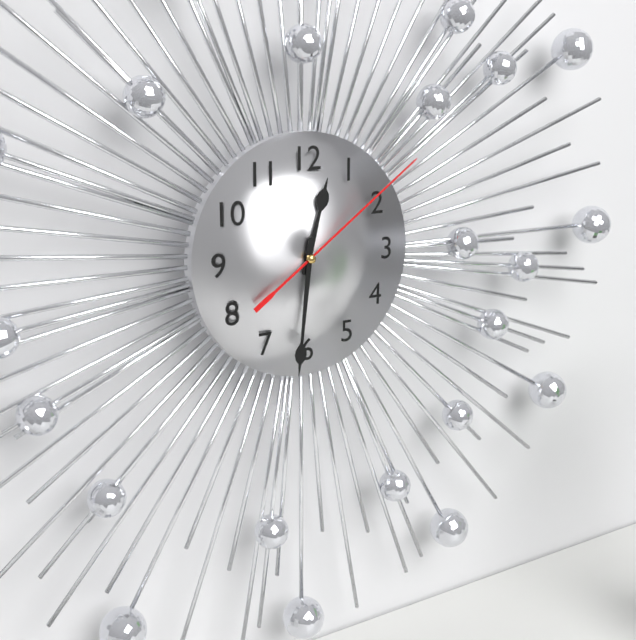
12 h 31 min 09 s
